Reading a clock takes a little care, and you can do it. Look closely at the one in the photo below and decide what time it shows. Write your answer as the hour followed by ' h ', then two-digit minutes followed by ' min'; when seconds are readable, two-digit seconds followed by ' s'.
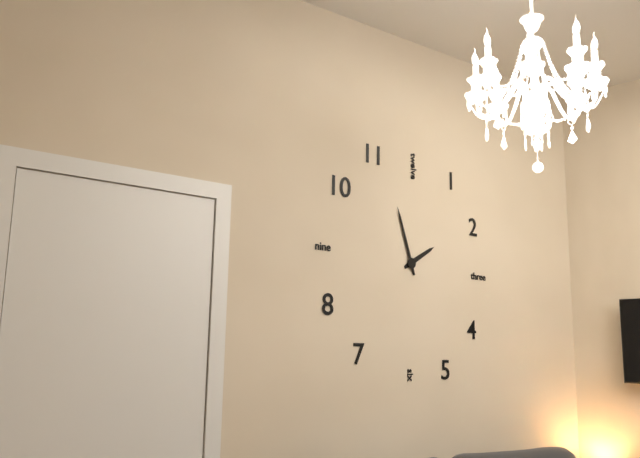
1 h 57 min
